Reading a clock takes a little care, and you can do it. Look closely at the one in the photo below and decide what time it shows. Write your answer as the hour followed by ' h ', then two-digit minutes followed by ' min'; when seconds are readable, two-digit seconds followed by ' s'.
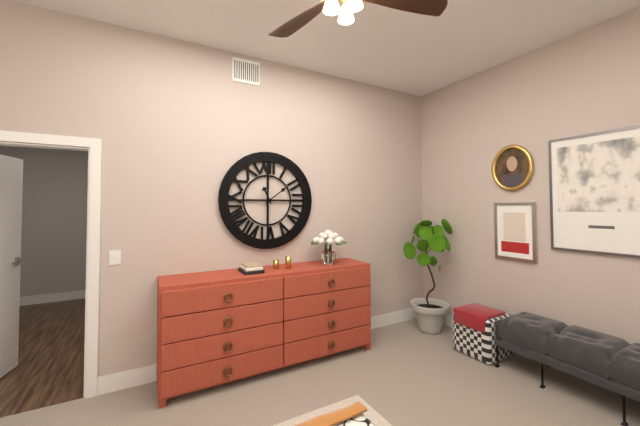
11 h 09 min
